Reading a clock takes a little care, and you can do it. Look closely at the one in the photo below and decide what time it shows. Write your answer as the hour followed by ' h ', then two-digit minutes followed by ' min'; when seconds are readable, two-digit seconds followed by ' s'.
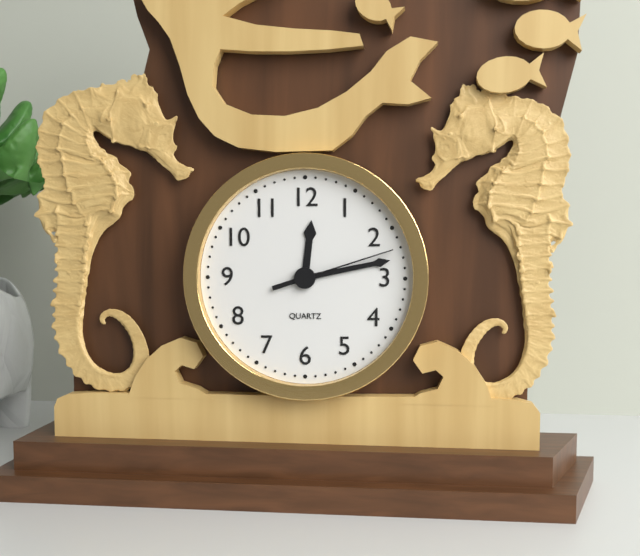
12 h 13 min 12 s
